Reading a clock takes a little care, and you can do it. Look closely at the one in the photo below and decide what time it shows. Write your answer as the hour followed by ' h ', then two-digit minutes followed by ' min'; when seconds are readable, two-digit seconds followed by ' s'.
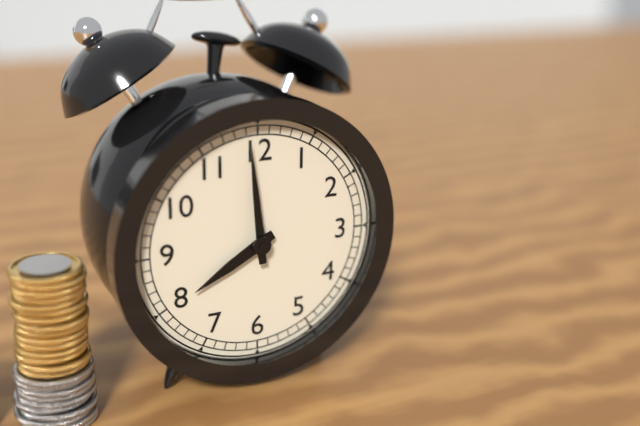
7 h 59 min
